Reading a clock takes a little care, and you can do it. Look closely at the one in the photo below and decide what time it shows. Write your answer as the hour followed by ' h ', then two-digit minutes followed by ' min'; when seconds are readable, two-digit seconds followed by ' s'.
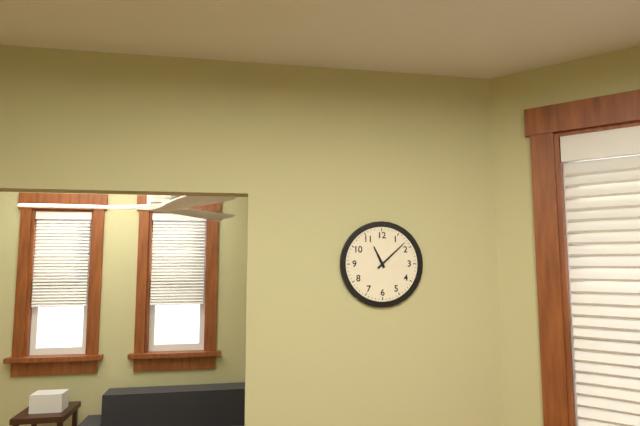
11 h 08 min
